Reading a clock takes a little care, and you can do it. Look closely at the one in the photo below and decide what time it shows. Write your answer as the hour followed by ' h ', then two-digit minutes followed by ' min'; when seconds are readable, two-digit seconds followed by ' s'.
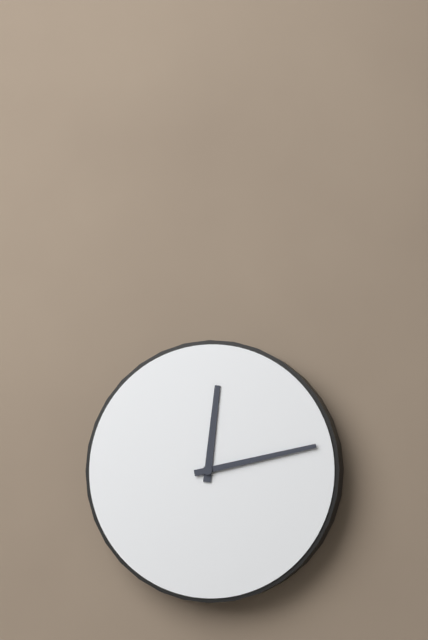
12 h 13 min
